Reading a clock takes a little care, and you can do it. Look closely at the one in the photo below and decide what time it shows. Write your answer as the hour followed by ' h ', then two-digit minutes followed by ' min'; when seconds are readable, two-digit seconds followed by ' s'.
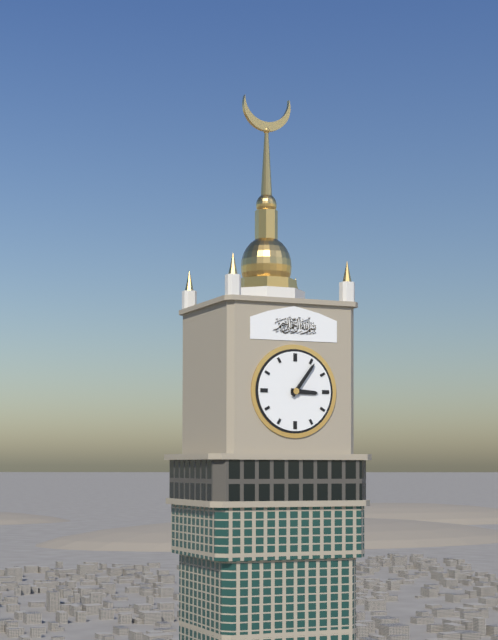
3 h 06 min
